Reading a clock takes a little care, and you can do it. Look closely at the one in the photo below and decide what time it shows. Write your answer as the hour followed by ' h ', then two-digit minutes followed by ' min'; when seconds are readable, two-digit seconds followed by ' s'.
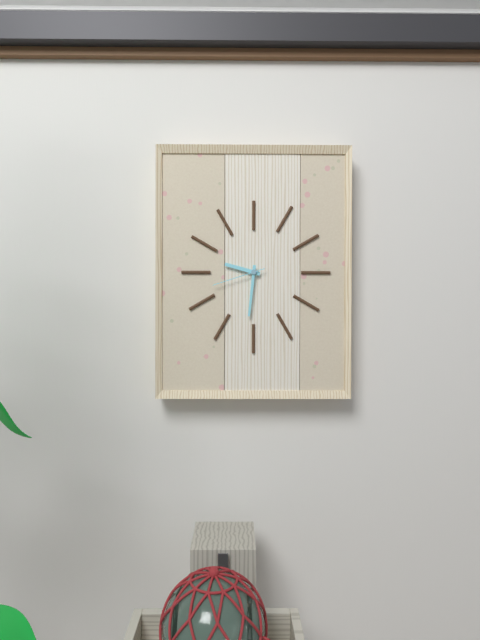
9 h 31 min 42 s
